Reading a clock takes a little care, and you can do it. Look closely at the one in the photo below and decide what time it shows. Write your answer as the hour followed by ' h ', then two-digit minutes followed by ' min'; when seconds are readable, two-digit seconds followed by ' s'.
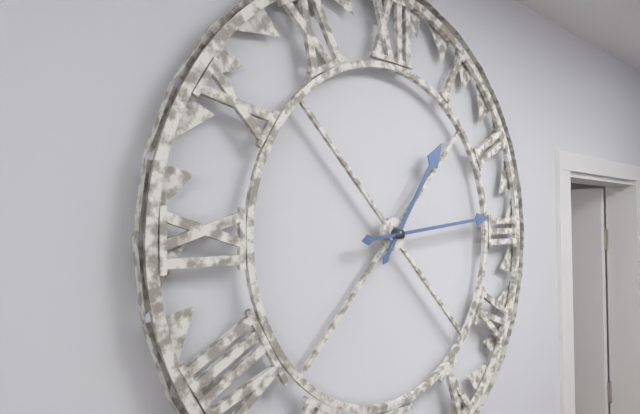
1 h 14 min
